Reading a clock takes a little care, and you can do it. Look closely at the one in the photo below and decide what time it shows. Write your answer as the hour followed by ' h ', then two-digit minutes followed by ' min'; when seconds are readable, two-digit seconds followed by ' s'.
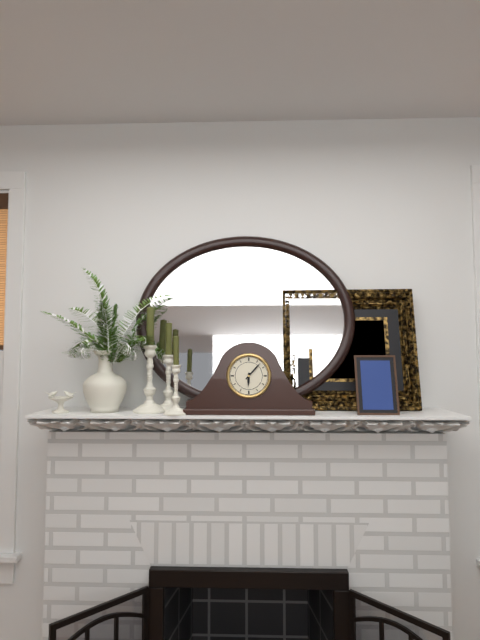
6 h 07 min
